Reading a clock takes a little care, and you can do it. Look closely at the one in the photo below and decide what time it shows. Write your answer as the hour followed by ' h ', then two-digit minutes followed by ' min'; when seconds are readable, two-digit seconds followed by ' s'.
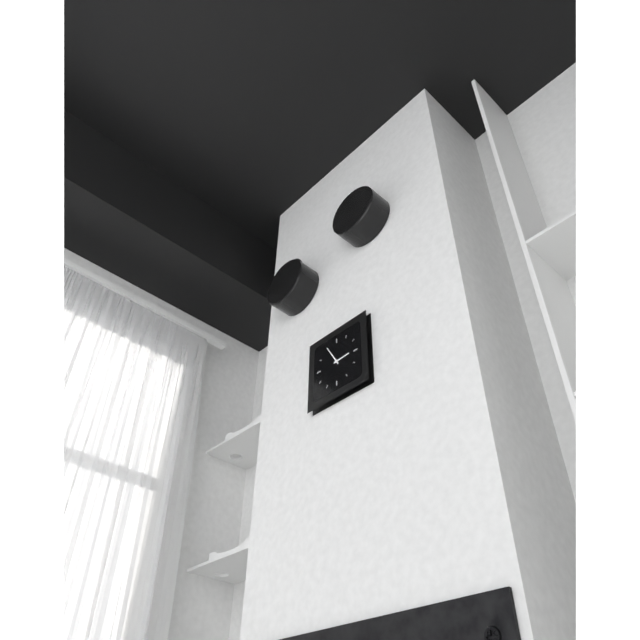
2 h 55 min
